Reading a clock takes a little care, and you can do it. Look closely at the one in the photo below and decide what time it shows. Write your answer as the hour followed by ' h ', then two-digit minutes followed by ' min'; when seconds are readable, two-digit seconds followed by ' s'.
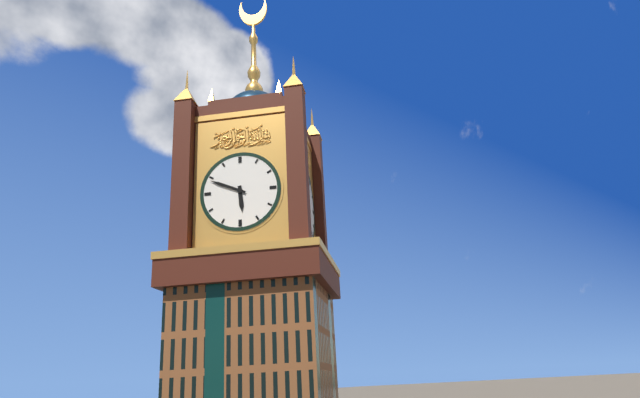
5 h 49 min
